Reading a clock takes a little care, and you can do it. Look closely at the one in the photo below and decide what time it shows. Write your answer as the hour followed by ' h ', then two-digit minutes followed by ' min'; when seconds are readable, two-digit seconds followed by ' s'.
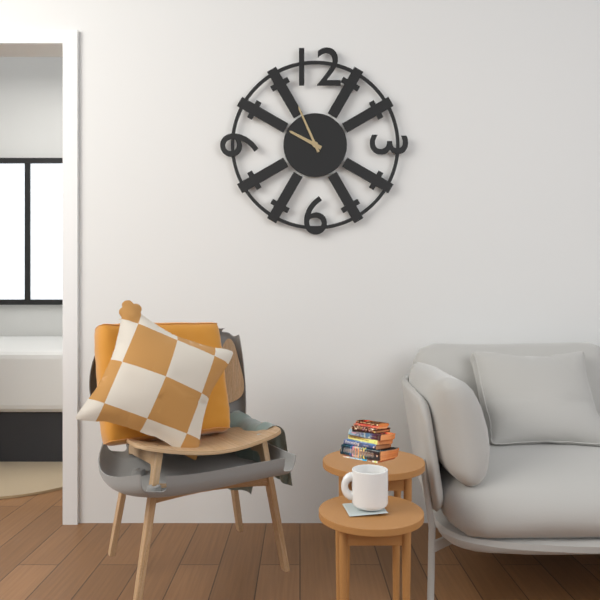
9 h 56 min
